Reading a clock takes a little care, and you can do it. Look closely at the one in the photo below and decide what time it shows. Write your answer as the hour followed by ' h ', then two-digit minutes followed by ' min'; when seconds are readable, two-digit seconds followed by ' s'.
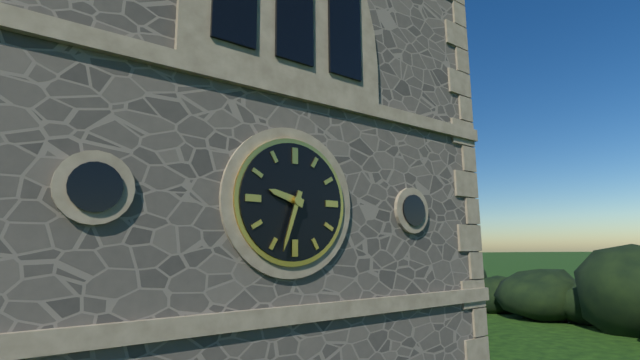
9 h 33 min
